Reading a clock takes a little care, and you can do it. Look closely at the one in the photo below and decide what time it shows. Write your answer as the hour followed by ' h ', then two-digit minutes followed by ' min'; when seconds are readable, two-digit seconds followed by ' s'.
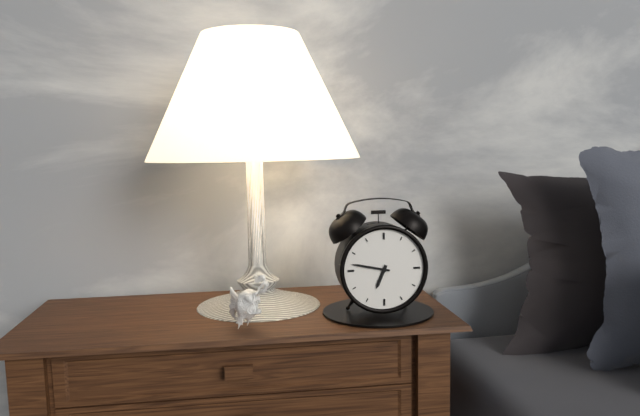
6 h 47 min
